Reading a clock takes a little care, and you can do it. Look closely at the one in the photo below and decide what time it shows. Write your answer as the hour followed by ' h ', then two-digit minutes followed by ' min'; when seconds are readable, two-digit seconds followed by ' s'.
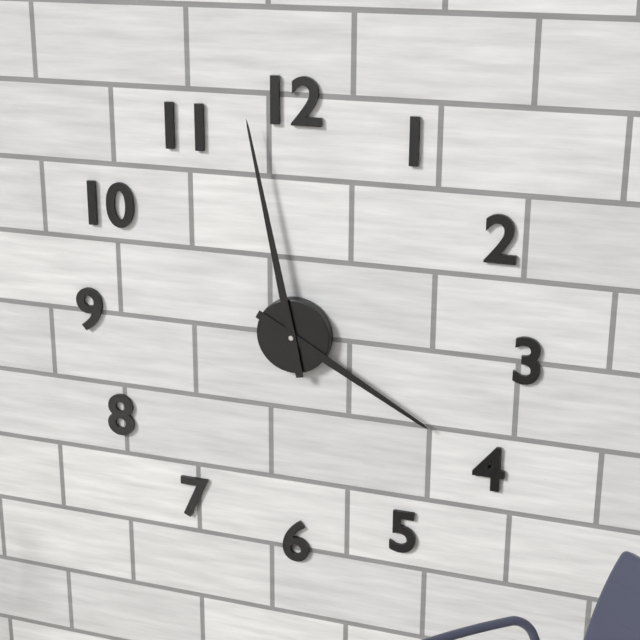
3 h 58 min
